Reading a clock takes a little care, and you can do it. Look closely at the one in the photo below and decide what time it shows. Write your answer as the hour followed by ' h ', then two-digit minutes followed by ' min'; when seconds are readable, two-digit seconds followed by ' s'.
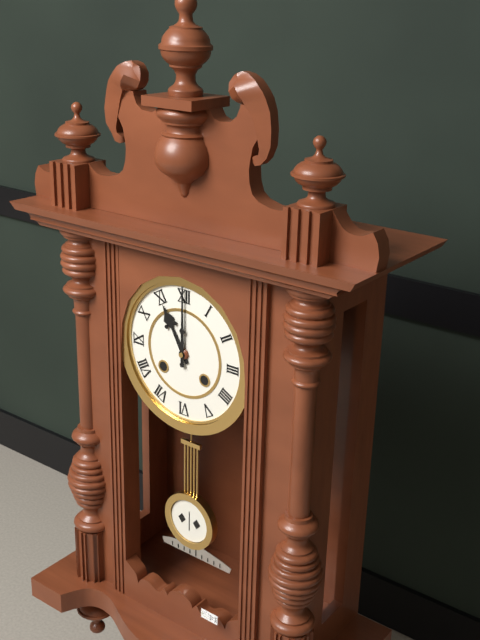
11 h 00 min
